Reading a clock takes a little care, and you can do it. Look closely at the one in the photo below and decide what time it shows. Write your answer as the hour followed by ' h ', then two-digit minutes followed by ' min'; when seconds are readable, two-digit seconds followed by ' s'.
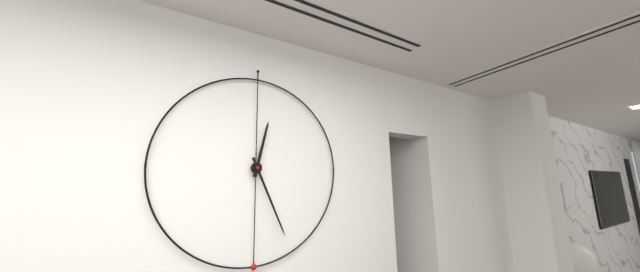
12 h 26 min
